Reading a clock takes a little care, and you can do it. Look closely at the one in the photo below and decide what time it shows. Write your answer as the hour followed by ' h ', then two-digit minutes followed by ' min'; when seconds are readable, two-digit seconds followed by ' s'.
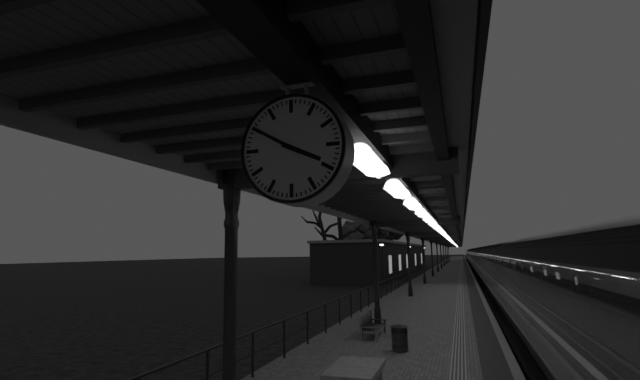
3 h 50 min
